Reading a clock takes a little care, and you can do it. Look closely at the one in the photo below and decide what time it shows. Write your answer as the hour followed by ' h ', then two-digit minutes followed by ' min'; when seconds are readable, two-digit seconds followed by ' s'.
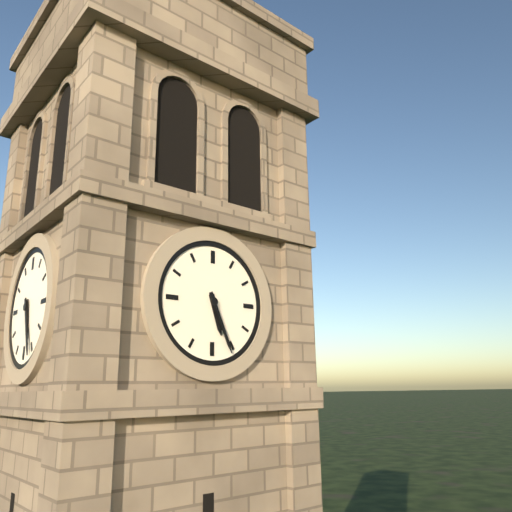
5 h 26 min
